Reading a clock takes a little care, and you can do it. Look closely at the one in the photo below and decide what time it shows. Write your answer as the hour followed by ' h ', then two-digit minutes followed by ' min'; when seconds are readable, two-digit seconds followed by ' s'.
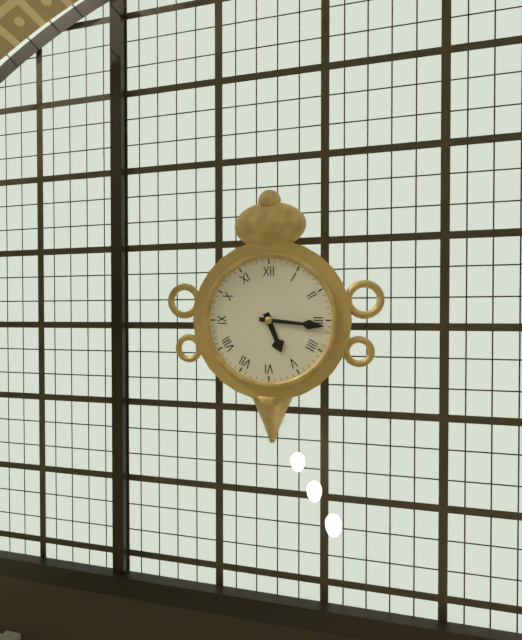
5 h 16 min
